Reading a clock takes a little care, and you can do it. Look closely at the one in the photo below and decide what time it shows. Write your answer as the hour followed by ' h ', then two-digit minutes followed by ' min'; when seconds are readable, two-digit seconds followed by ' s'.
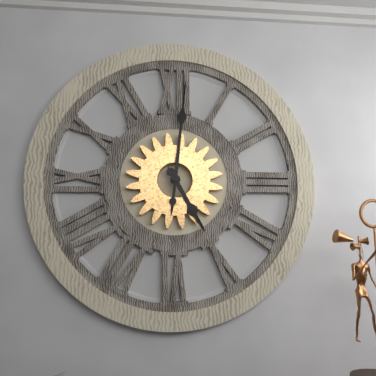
5 h 01 min
